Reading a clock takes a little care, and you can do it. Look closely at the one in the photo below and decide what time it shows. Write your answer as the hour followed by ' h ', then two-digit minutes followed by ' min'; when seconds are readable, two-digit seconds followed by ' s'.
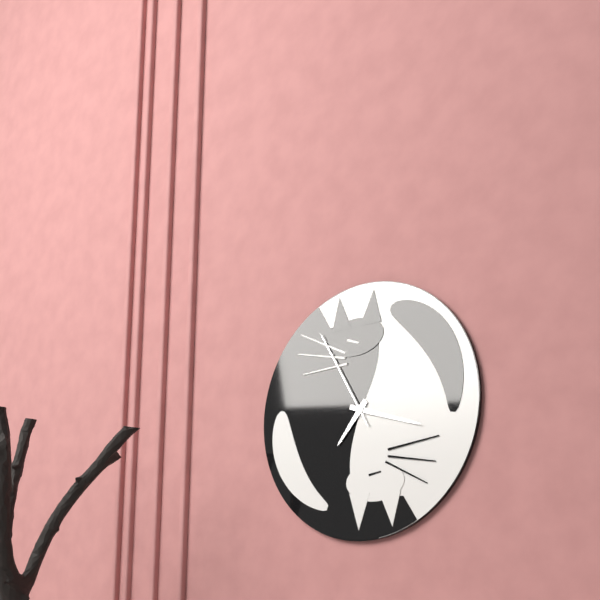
7 h 18 min 55 s
